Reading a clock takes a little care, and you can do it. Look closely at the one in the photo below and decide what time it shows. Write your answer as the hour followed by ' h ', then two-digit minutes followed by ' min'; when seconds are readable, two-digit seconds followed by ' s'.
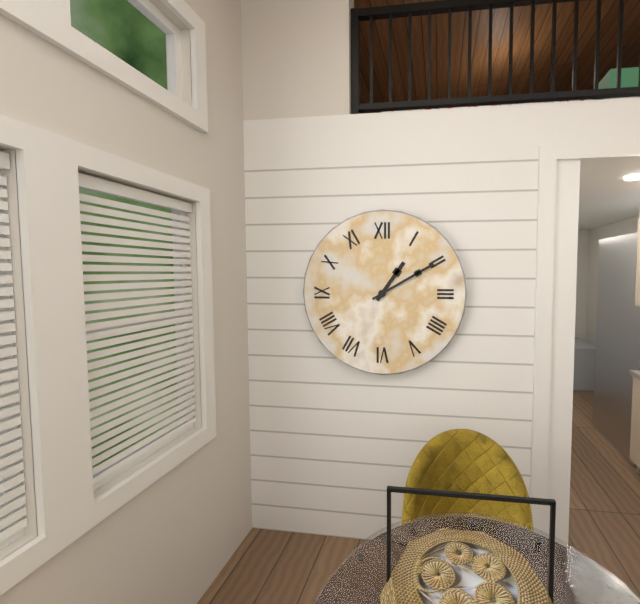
1 h 10 min
